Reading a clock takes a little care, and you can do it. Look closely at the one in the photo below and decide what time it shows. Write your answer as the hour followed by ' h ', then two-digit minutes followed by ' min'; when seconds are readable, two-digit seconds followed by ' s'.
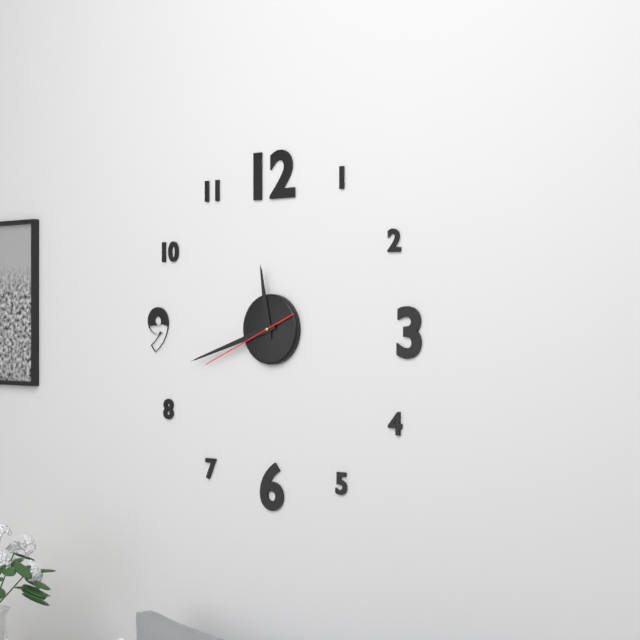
11 h 42 min 41 s
